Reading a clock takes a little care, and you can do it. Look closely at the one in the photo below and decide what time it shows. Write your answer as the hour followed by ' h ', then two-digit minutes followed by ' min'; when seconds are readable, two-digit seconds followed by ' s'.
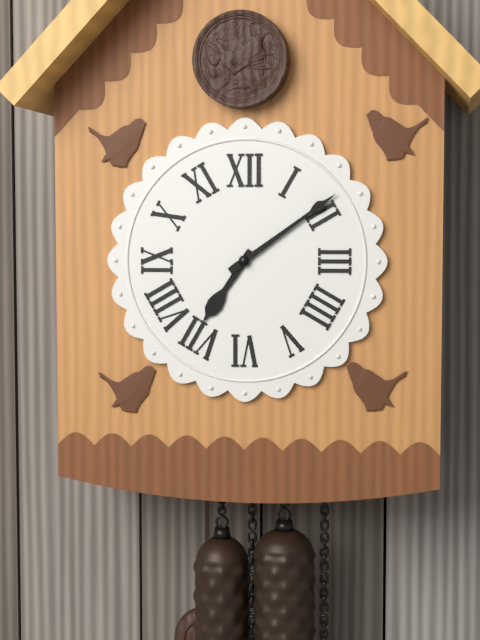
7 h 09 min
